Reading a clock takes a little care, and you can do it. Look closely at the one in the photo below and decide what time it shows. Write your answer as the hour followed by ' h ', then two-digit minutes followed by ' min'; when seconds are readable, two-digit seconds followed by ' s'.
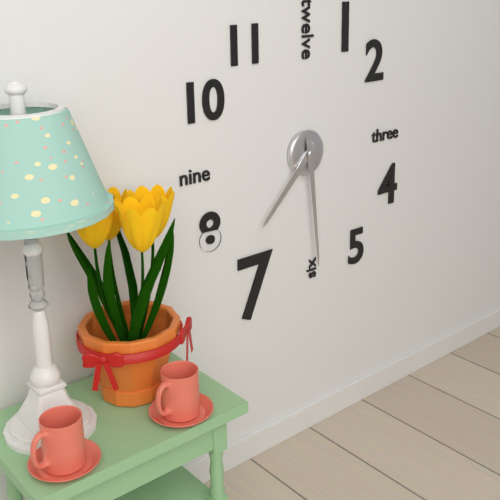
7 h 29 min
